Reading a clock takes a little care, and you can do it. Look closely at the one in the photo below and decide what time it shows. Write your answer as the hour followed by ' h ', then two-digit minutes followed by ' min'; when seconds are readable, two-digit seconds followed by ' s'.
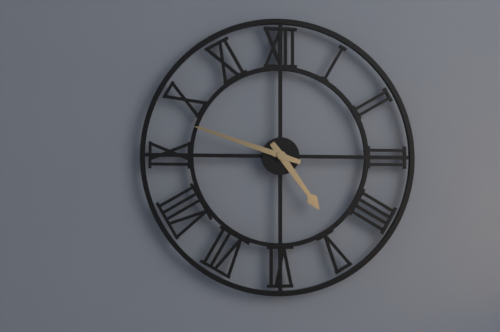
4 h 48 min
